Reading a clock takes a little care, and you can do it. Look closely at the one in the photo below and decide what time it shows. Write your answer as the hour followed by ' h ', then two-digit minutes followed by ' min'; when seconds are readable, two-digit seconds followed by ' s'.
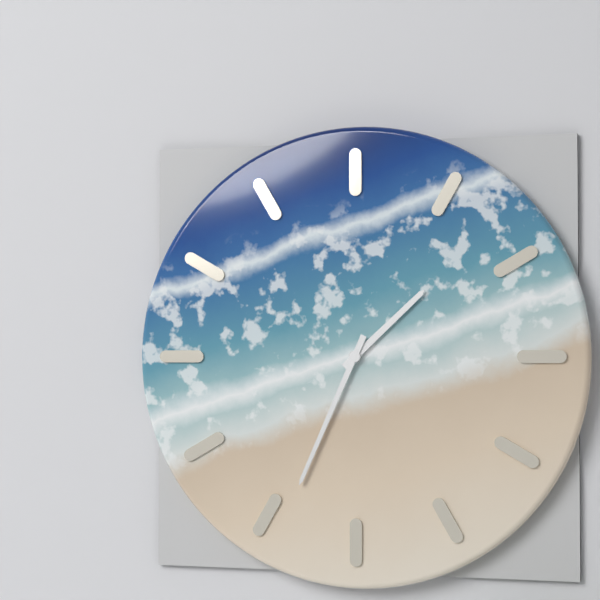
1 h 34 min
